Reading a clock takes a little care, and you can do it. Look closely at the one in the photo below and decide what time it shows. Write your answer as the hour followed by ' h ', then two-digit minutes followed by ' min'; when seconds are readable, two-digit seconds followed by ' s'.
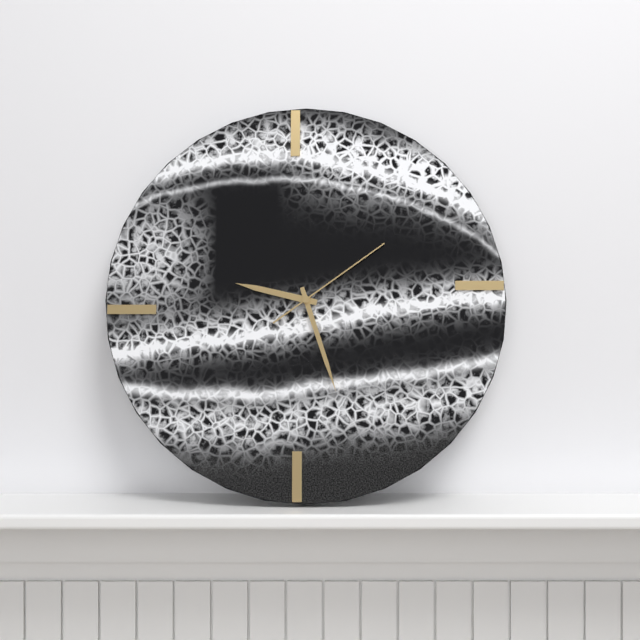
9 h 27 min 09 s
